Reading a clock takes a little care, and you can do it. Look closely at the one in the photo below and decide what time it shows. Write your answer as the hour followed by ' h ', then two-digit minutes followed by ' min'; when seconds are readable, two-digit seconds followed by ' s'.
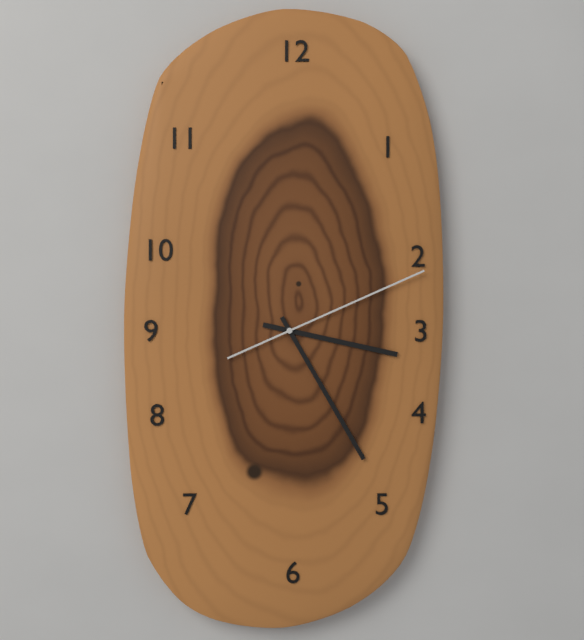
3 h 25 min 11 s
